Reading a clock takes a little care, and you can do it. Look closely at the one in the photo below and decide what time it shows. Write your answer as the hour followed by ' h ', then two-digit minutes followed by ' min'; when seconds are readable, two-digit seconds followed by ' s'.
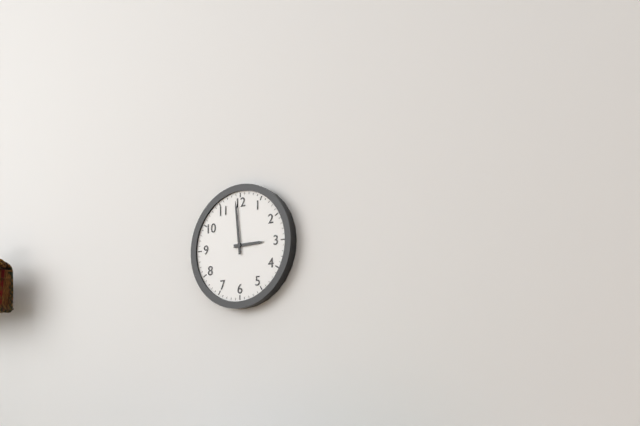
2 h 59 min
